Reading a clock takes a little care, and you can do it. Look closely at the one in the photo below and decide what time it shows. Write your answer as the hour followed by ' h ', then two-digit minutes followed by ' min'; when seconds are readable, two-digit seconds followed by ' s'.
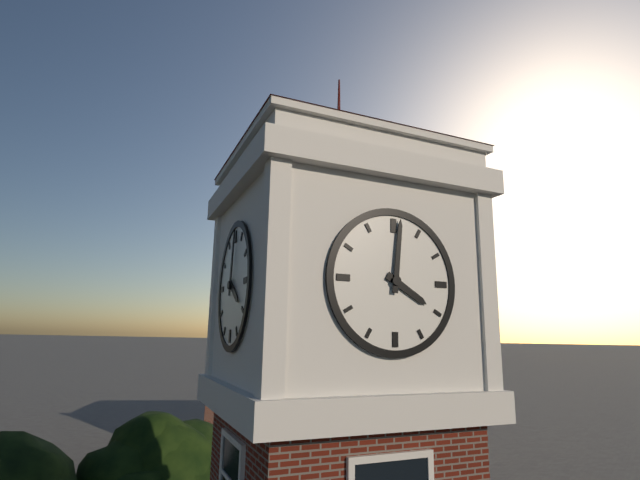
4 h 01 min
